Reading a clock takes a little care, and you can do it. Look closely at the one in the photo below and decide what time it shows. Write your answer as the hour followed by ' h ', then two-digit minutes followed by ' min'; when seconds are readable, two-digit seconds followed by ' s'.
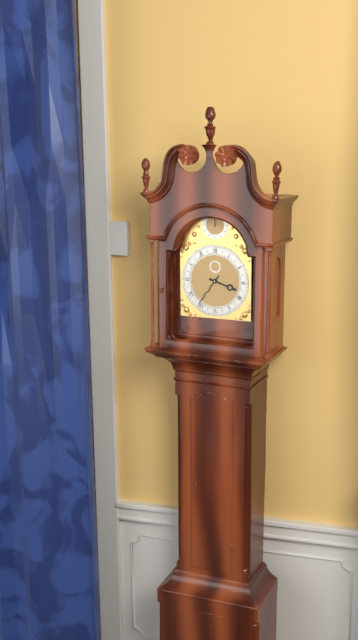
3 h 36 min
